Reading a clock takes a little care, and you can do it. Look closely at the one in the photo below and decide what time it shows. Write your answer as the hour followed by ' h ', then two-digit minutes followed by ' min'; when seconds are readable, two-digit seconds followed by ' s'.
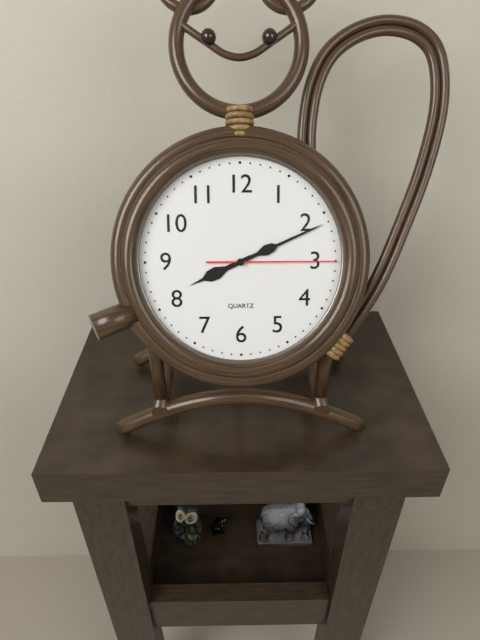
8 h 11 min 15 s
